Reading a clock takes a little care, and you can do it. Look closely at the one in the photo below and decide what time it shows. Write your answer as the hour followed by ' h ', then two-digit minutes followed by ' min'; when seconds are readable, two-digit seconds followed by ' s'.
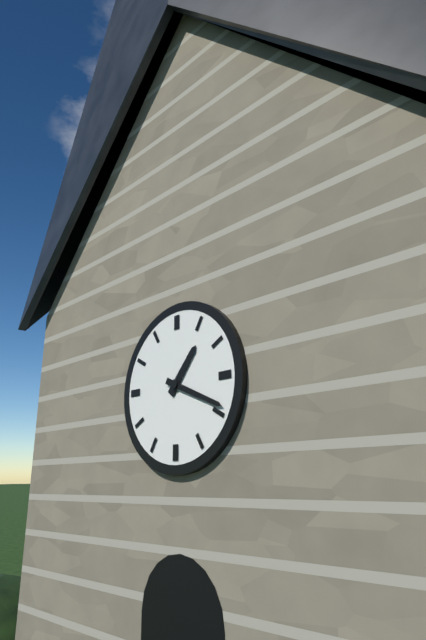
1 h 19 min
